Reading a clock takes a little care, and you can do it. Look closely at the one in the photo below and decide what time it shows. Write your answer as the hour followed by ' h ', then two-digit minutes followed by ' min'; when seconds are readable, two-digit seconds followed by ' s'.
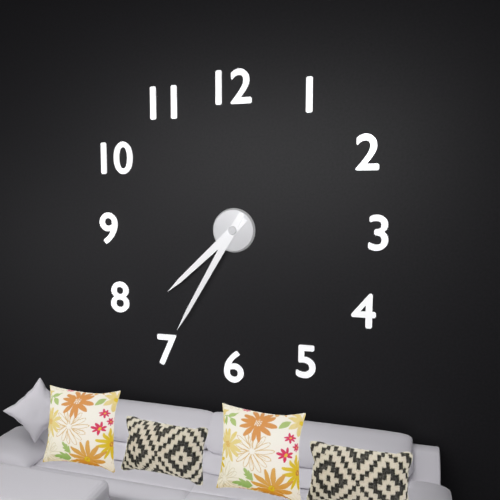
7 h 35 min
